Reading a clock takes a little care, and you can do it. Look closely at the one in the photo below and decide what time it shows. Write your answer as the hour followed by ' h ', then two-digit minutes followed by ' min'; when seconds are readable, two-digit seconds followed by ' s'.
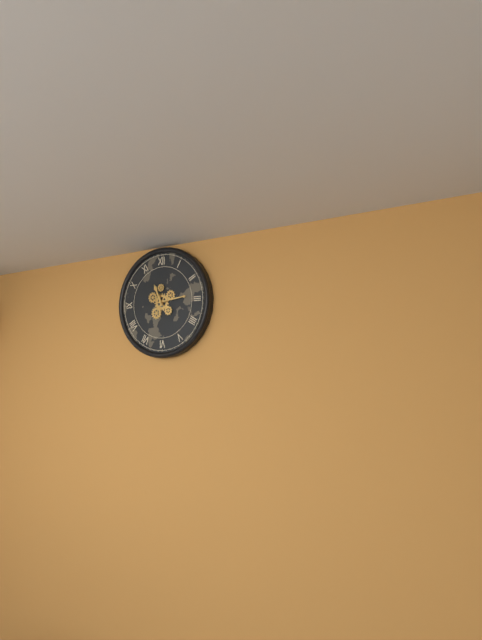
11 h 14 min
